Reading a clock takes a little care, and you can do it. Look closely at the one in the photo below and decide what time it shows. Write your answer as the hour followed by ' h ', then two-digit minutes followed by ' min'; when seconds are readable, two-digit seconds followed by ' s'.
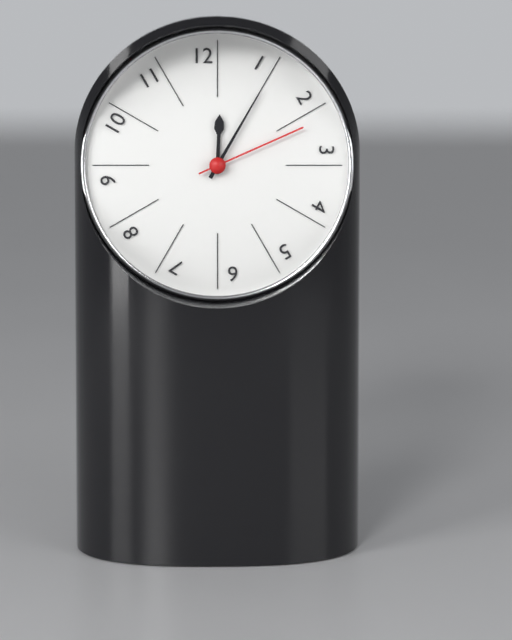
12 h 05 min 11 s
